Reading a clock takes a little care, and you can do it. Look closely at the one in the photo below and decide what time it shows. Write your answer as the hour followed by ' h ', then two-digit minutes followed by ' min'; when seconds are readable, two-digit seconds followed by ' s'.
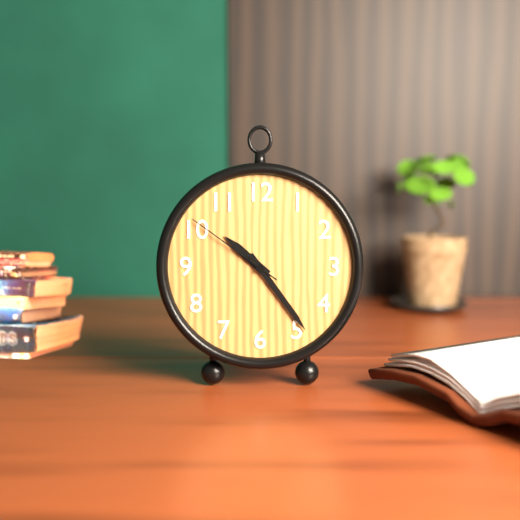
10 h 24 min 51 s
